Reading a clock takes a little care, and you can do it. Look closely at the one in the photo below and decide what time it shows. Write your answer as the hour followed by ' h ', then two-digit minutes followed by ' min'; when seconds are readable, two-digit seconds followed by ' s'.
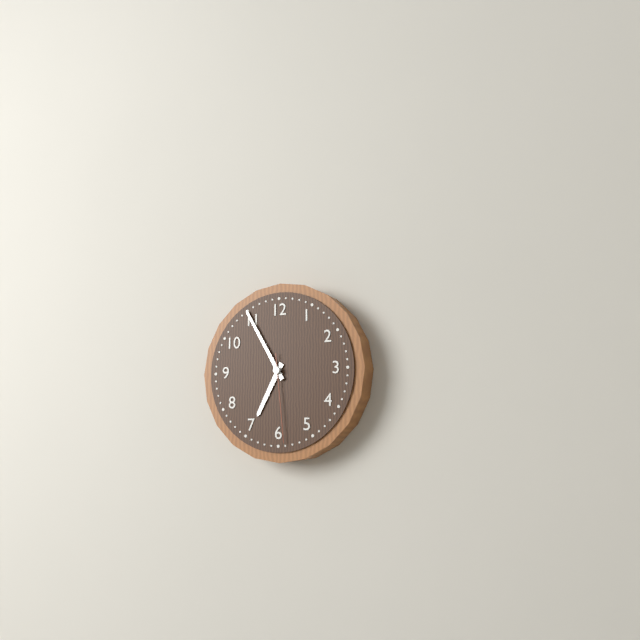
6 h 55 min 29 s
